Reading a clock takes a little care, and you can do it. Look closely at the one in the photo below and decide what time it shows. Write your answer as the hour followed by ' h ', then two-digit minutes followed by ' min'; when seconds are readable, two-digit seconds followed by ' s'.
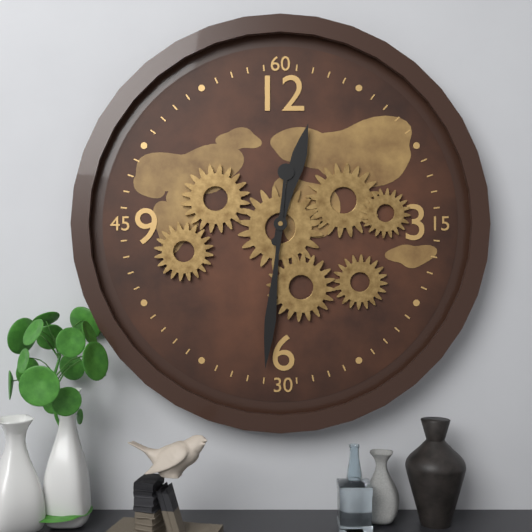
12 h 31 min
